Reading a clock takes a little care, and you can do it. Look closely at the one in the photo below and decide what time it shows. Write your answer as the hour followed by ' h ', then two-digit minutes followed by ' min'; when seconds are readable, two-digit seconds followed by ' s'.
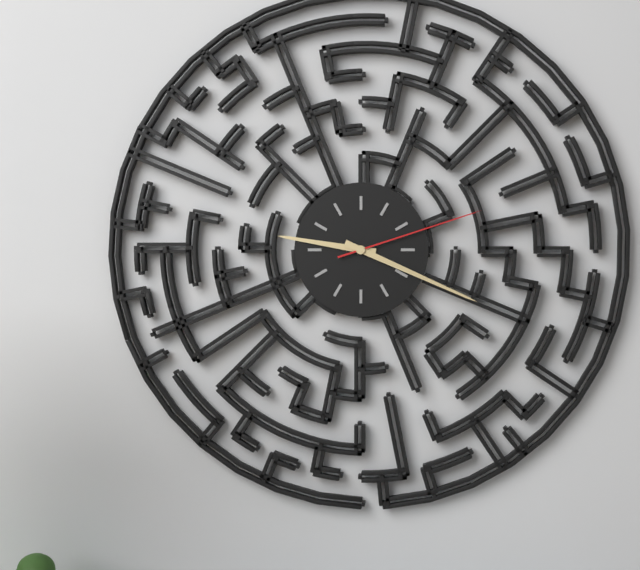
9 h 19 min 12 s
